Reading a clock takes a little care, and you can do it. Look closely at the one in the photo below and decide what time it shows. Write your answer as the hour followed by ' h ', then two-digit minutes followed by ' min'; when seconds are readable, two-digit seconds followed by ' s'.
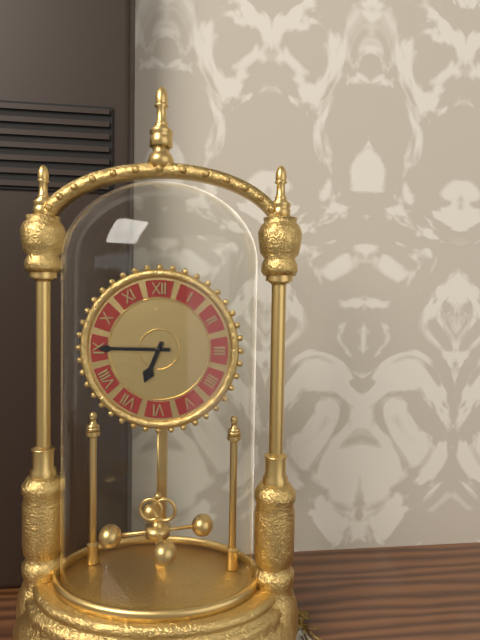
6 h 45 min
